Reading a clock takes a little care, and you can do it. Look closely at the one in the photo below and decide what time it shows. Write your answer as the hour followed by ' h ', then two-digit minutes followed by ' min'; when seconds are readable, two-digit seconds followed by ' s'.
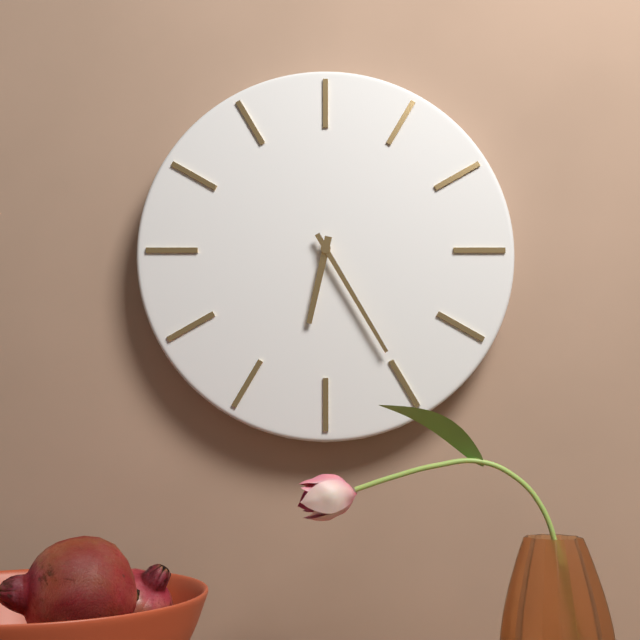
6 h 25 min
